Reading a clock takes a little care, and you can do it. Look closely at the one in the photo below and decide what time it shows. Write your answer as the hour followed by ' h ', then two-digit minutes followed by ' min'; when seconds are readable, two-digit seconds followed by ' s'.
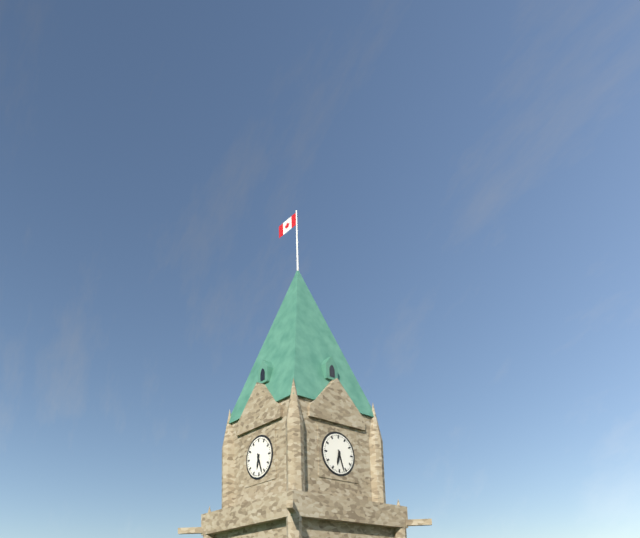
6 h 27 min
